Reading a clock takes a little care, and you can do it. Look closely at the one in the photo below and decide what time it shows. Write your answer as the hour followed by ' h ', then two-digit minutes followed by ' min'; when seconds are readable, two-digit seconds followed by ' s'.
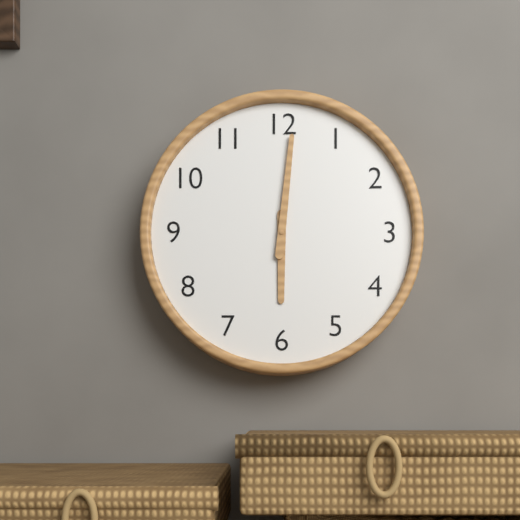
6 h 01 min
